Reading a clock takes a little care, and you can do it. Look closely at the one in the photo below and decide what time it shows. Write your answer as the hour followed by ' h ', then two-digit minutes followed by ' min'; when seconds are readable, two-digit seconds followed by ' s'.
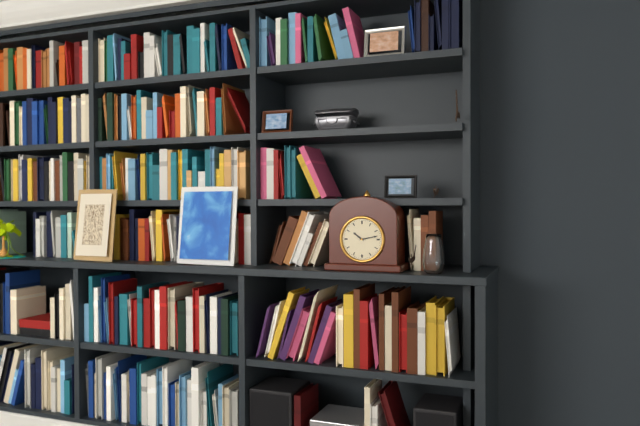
10 h 13 min
